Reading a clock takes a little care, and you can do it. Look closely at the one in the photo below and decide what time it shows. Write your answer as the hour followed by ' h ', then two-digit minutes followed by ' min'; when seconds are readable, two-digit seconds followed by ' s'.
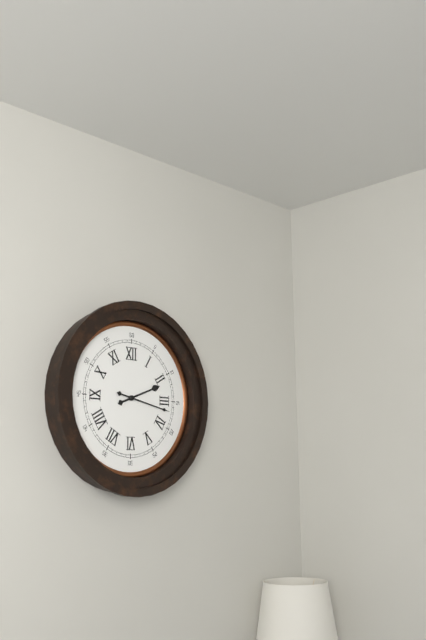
2 h 17 min
